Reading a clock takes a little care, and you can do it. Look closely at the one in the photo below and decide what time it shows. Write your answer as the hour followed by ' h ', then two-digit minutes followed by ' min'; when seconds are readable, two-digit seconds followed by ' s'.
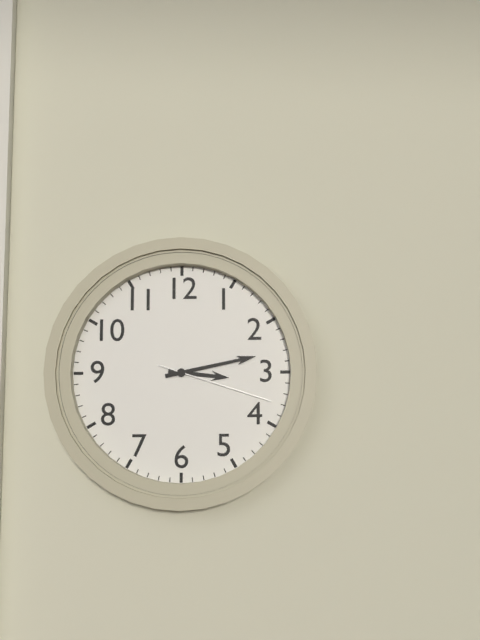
3 h 13 min 18 s
